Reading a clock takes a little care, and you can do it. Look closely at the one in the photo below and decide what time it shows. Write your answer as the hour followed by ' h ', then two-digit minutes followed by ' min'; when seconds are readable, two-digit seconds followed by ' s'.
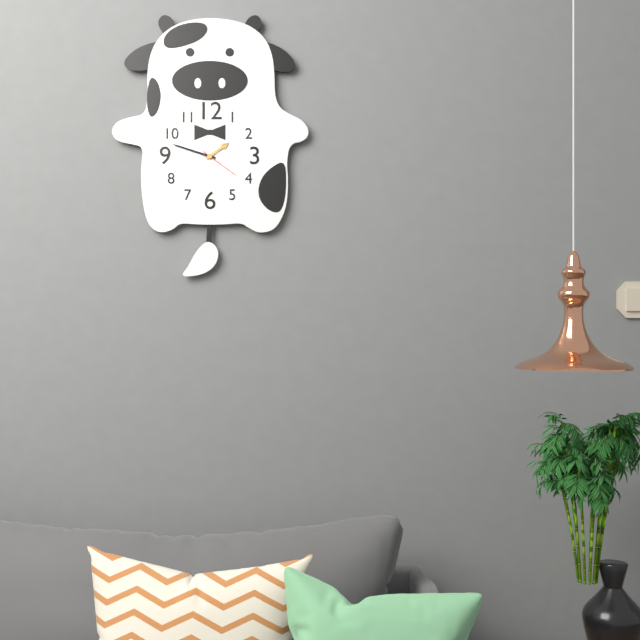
1 h 48 min
